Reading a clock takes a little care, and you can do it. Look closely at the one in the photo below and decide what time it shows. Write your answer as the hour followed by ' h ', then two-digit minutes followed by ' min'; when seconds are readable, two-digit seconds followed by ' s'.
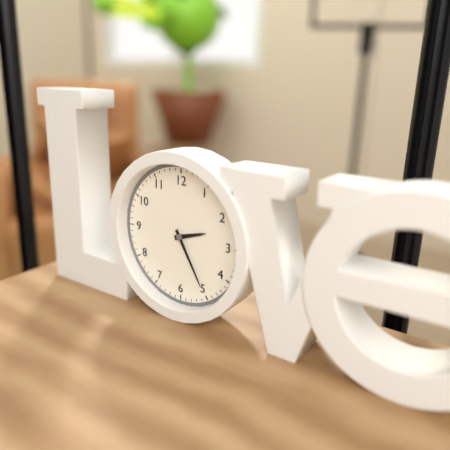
2 h 25 min
